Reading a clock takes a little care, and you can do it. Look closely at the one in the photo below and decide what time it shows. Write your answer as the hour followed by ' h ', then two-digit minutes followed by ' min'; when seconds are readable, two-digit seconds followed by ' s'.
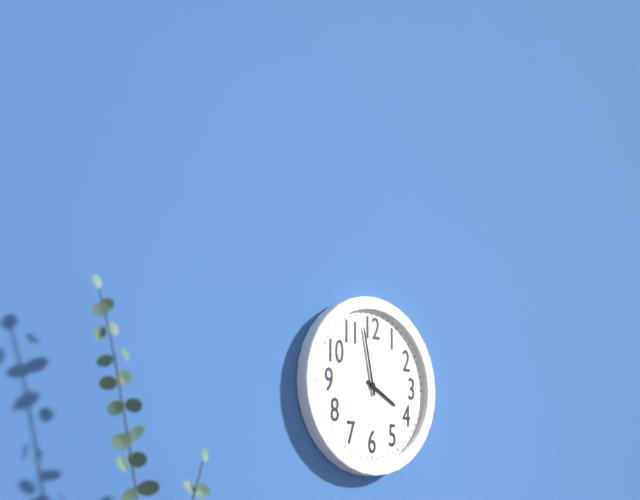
3 h 58 min
